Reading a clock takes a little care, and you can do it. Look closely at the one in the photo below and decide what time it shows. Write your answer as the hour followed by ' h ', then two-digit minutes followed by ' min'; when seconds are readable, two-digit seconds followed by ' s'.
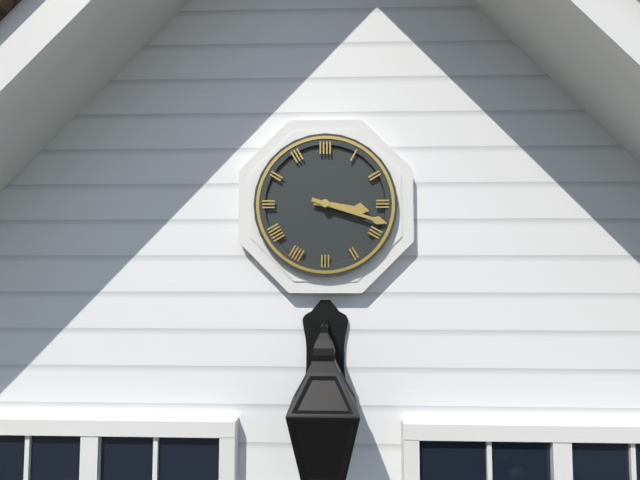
3 h 18 min
